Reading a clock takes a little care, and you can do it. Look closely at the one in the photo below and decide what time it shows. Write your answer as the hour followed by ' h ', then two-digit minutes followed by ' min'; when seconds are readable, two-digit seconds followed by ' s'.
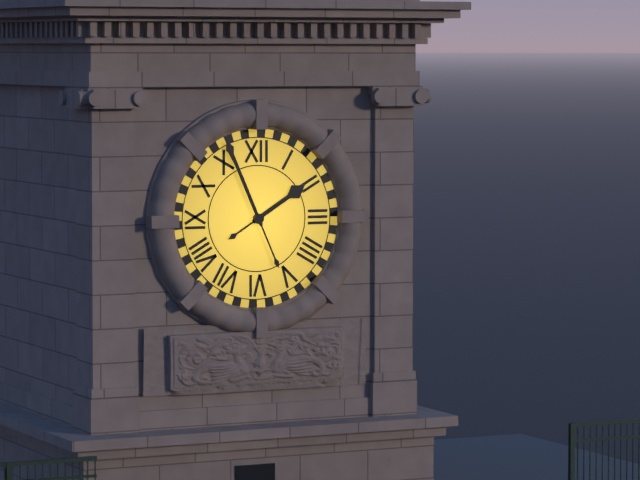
1 h 56 min
